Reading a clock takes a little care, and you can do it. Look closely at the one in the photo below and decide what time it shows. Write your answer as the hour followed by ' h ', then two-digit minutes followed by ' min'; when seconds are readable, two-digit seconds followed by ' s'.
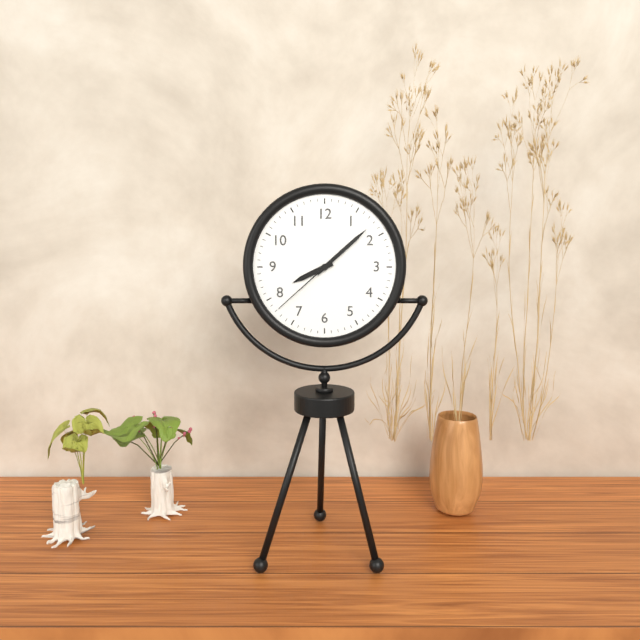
8 h 08 min 38 s
